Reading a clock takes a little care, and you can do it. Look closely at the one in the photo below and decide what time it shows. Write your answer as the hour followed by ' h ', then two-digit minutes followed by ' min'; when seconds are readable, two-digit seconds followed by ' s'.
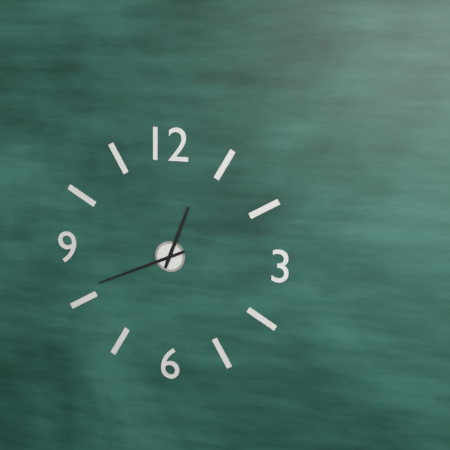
12 h 41 min
